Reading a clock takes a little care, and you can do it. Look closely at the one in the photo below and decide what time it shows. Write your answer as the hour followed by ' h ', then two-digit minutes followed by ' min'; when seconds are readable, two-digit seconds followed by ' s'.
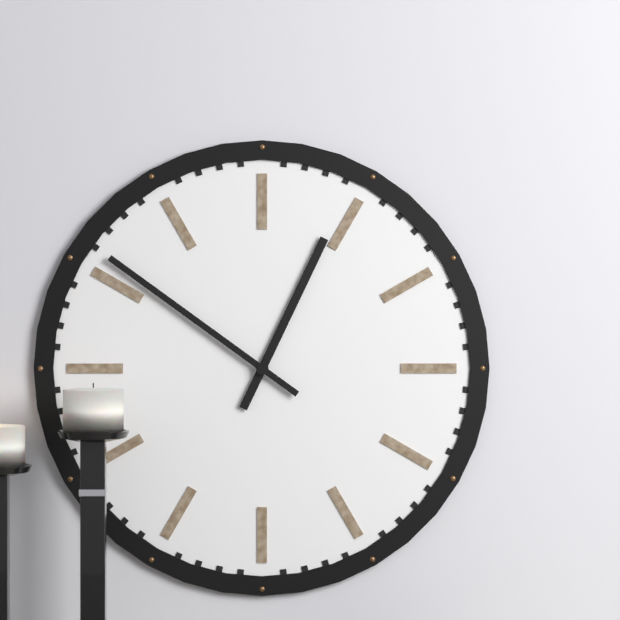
12 h 51 min
